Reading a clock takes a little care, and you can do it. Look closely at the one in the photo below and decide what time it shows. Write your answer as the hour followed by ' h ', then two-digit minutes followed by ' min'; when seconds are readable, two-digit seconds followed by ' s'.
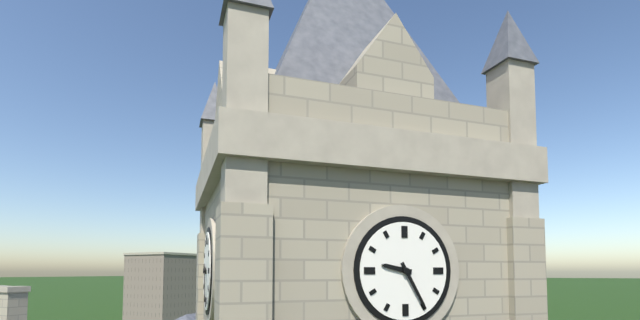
9 h 25 min
